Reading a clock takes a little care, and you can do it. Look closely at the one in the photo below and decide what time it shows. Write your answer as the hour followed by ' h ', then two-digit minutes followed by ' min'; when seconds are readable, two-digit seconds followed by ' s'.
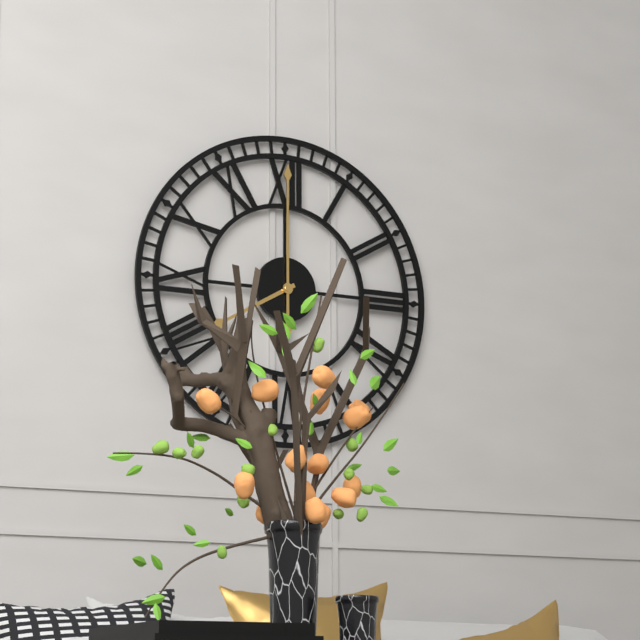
8 h 00 min
